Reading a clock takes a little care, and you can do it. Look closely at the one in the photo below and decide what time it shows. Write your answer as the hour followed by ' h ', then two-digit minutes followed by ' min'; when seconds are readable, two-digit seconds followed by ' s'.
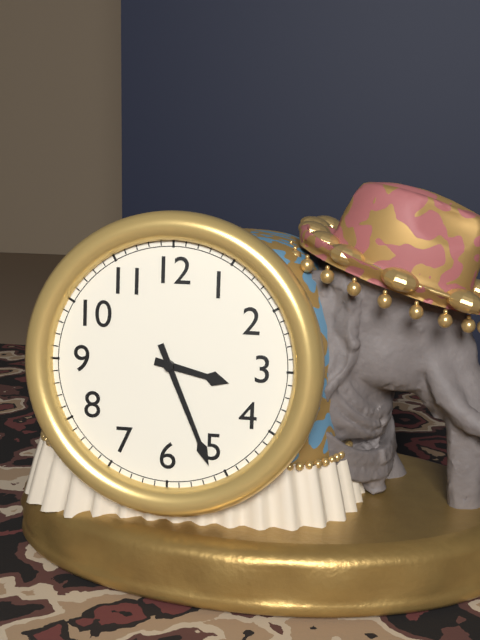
3 h 26 min
